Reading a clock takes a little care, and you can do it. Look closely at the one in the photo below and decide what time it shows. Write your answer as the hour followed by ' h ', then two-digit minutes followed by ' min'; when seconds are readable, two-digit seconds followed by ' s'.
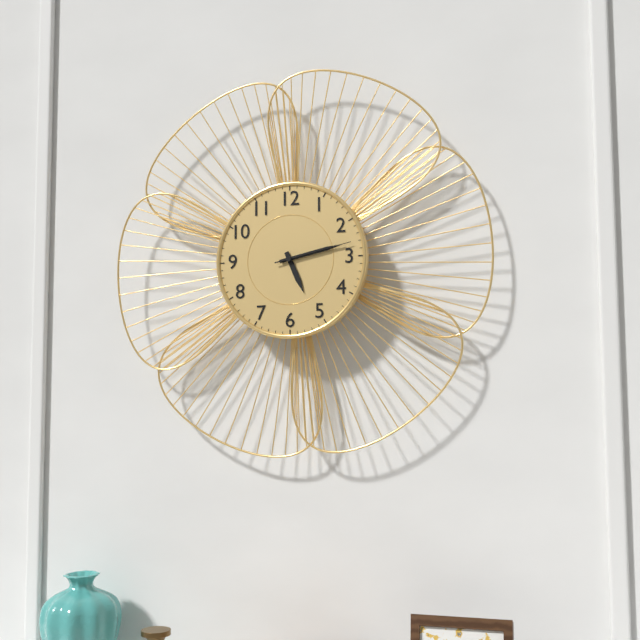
5 h 13 min 13 s
